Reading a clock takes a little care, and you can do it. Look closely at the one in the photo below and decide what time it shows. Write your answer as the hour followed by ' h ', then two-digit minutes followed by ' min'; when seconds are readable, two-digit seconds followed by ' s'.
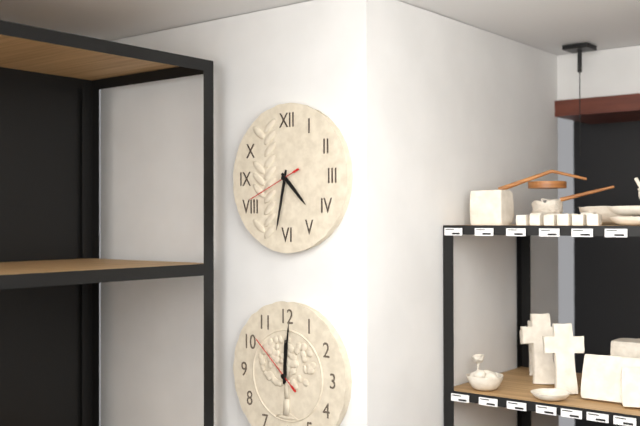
4 h 32 min 41 s
